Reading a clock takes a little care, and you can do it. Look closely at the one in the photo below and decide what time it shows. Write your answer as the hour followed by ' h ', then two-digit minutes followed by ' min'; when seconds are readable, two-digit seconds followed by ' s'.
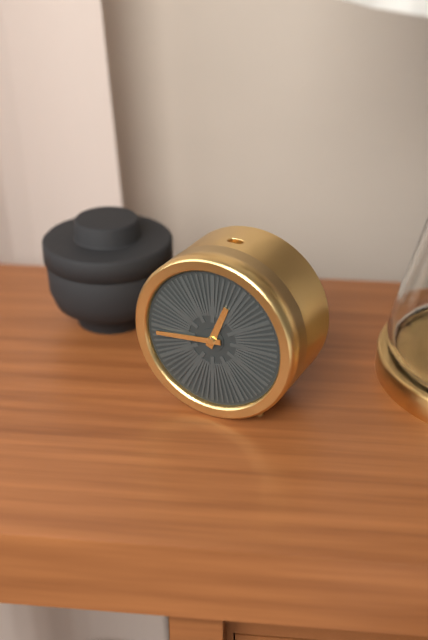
12 h 44 min
